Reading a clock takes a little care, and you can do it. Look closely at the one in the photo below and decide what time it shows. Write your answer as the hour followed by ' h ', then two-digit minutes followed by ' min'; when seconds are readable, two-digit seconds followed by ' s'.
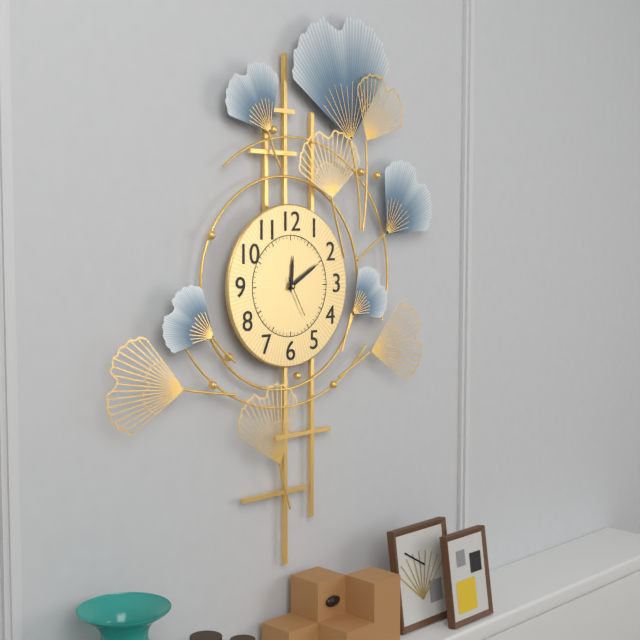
12 h 10 min
